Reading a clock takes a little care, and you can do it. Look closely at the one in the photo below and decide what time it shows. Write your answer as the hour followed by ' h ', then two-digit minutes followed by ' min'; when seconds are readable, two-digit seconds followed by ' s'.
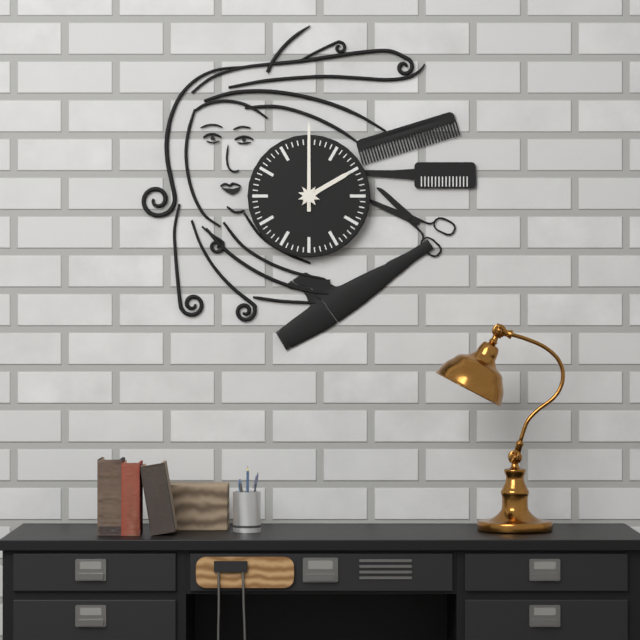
2 h 00 min
